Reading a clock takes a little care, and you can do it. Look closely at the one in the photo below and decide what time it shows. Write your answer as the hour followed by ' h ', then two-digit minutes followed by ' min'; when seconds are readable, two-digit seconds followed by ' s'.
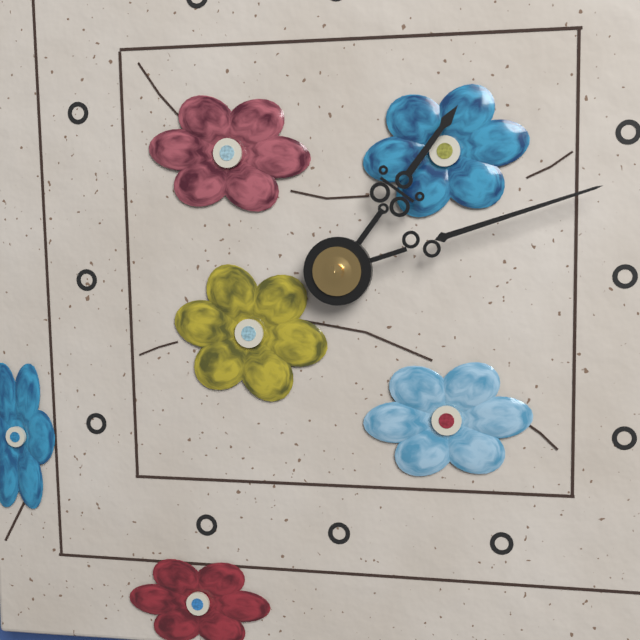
1 h 12 min
